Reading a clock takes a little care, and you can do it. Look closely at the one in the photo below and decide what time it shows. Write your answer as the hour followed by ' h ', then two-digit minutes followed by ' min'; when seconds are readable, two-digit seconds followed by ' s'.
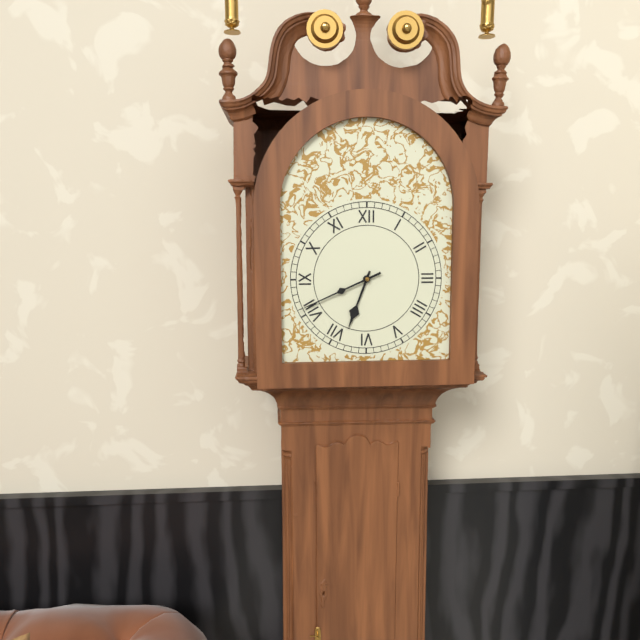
6 h 41 min
